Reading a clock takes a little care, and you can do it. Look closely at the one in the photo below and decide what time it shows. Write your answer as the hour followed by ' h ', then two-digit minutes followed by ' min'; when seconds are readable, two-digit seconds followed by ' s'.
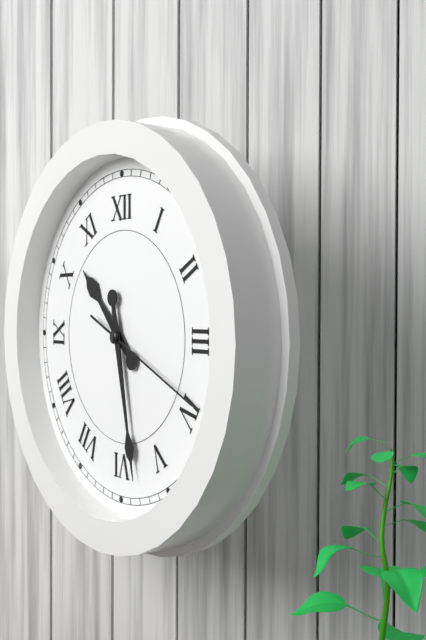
10 h 28 min 19 s
